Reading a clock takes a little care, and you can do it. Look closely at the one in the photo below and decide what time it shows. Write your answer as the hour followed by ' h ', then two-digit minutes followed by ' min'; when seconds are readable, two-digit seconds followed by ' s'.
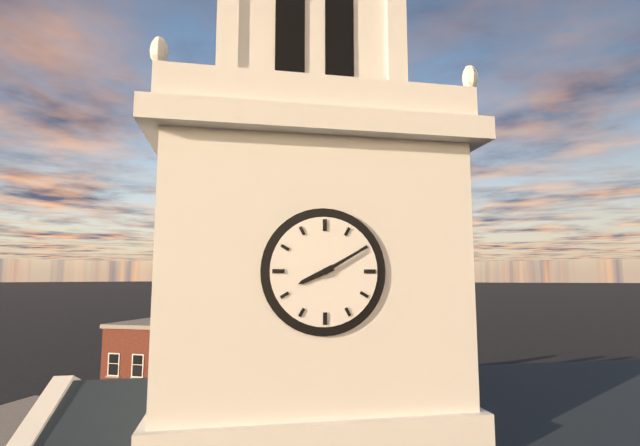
8 h 10 min
